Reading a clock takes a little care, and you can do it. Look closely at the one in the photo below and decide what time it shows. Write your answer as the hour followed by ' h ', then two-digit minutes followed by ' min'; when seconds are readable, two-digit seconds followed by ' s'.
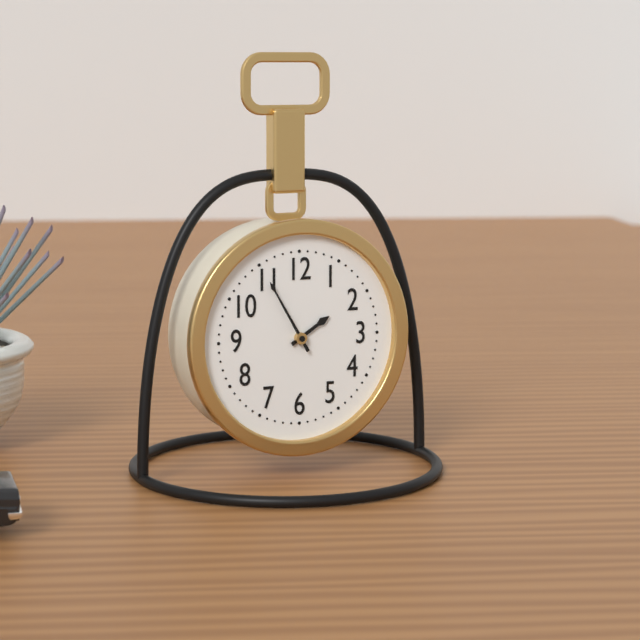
1 h 55 min
